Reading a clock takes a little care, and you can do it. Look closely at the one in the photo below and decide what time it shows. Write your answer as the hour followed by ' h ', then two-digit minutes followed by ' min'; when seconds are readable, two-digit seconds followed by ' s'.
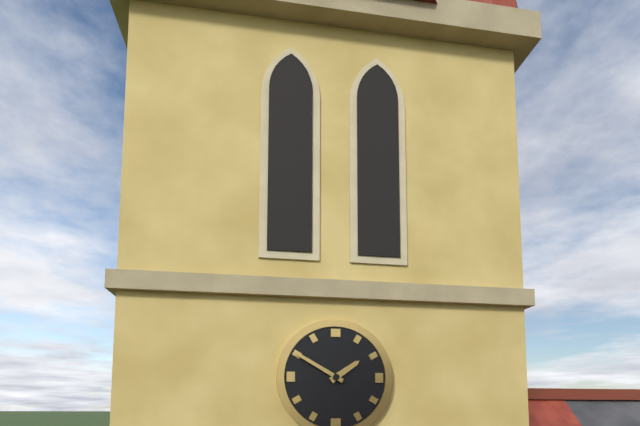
1 h 50 min
